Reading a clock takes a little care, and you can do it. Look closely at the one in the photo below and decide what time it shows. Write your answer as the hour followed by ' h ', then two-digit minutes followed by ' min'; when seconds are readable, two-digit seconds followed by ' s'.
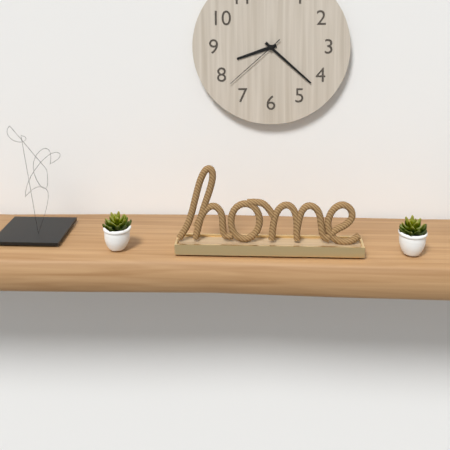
8 h 22 min 38 s
